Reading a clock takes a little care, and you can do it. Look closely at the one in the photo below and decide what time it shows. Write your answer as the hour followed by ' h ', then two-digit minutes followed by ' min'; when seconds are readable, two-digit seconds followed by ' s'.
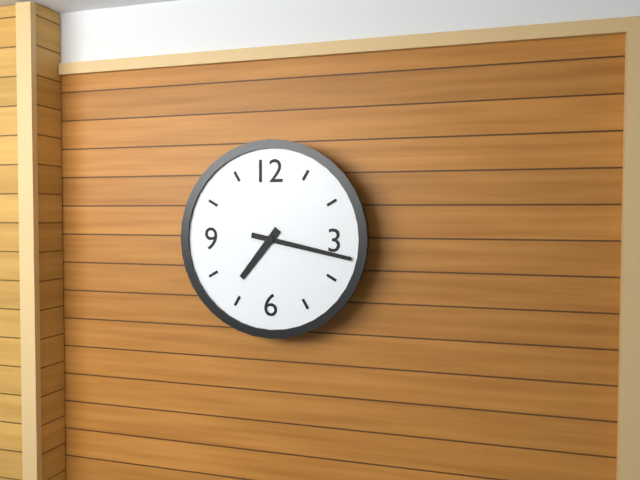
7 h 17 min
